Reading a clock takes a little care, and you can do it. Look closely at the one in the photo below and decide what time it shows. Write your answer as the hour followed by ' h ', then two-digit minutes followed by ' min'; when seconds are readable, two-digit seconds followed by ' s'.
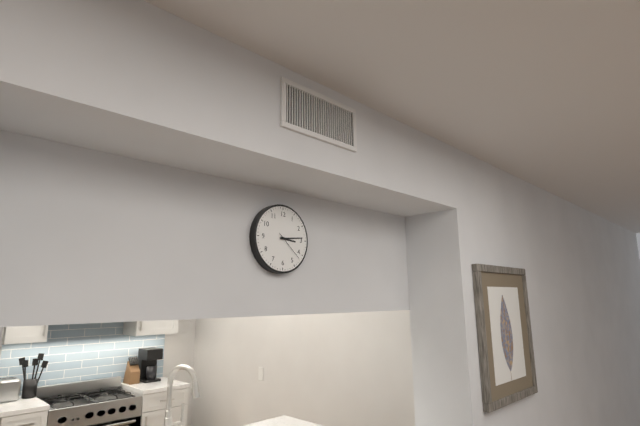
3 h 14 min
